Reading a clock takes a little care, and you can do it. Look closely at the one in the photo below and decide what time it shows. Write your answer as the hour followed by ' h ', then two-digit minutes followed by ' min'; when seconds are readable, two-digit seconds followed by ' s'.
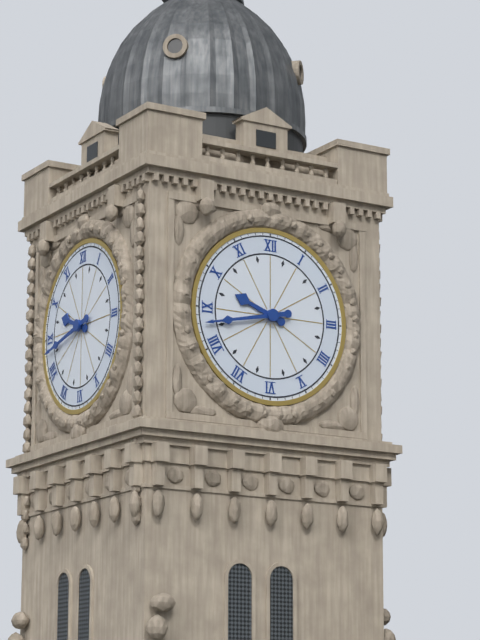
9 h 43 min
